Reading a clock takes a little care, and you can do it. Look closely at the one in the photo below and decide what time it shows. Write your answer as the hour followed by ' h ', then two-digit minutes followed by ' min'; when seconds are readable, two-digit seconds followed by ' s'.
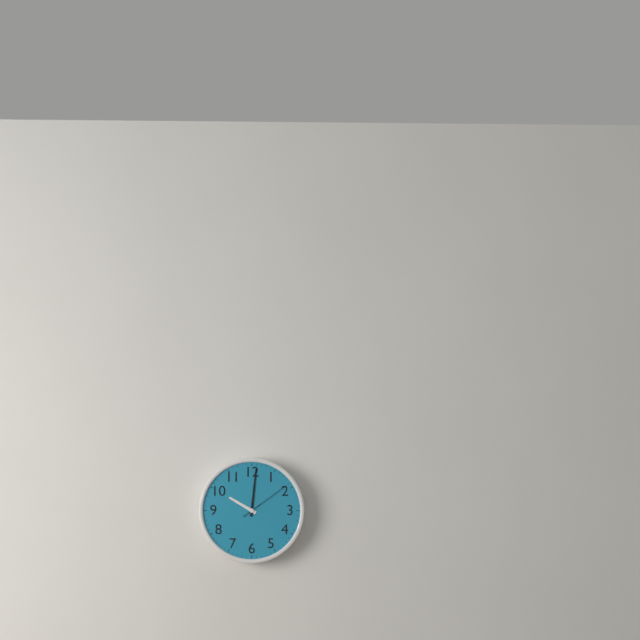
10 h 01 min 09 s
